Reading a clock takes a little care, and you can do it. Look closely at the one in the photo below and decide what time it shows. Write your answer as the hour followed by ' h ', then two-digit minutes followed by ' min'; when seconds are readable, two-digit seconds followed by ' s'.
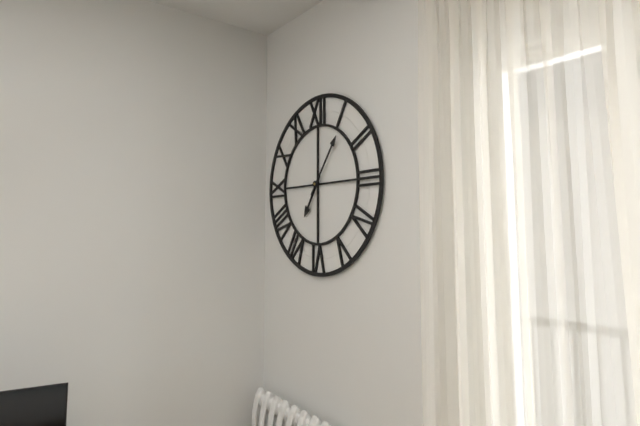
7 h 06 min
